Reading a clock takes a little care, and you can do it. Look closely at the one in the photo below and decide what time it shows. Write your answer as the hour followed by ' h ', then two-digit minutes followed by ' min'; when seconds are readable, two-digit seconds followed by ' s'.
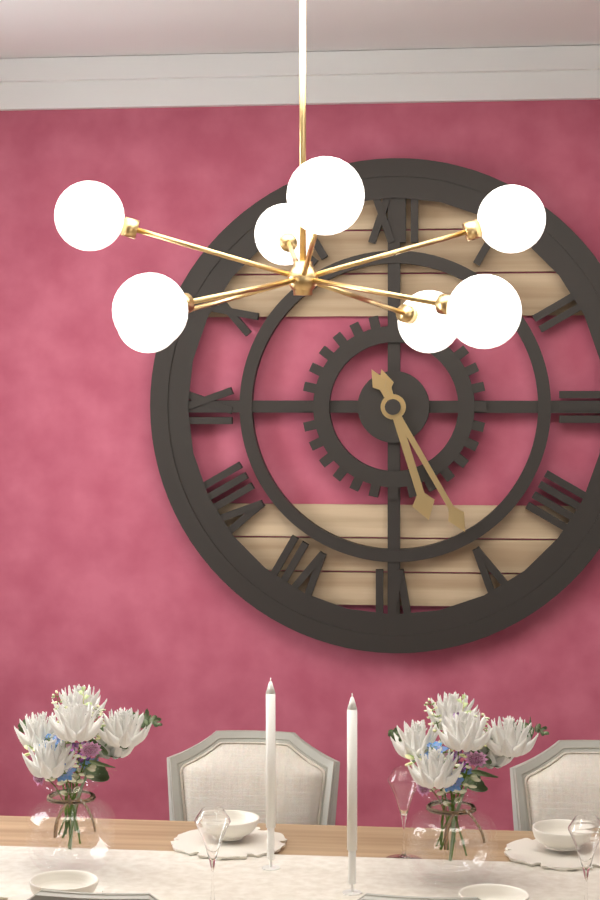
5 h 25 min
